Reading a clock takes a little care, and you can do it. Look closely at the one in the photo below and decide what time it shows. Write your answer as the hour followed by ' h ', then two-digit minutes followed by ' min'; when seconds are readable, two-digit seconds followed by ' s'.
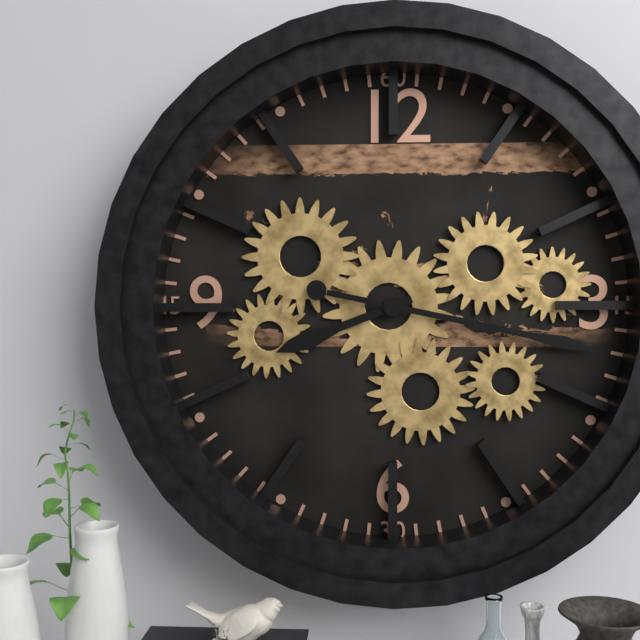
8 h 17 min
